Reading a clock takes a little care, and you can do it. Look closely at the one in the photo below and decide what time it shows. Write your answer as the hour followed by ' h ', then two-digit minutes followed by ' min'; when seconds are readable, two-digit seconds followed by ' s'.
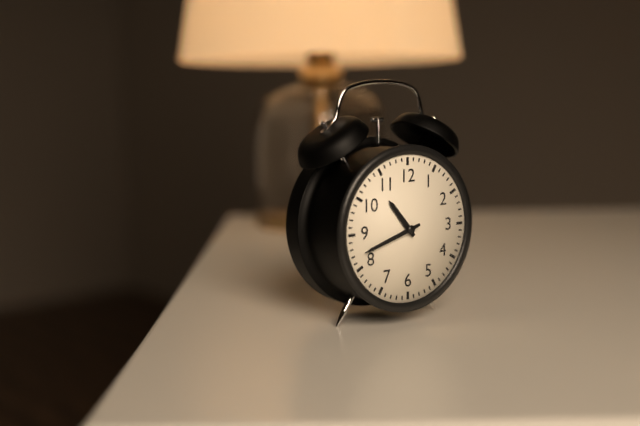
10 h 42 min
